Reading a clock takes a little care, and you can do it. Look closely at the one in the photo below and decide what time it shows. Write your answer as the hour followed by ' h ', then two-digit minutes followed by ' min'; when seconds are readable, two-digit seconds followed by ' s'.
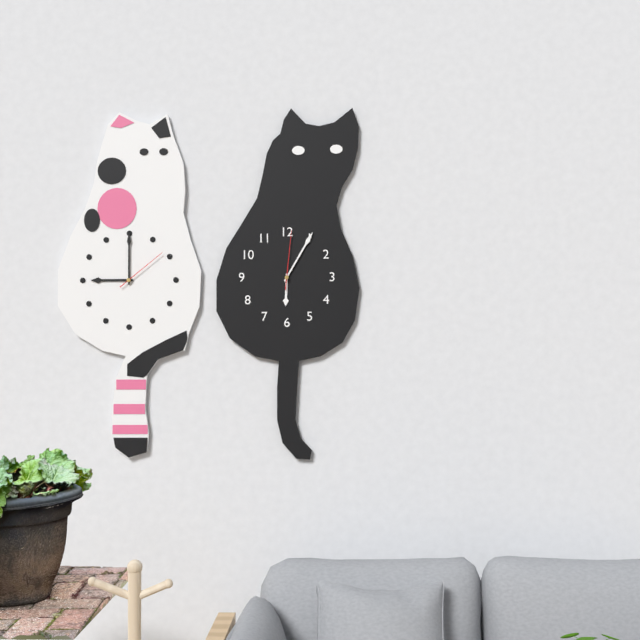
6 h 05 min 01 s
